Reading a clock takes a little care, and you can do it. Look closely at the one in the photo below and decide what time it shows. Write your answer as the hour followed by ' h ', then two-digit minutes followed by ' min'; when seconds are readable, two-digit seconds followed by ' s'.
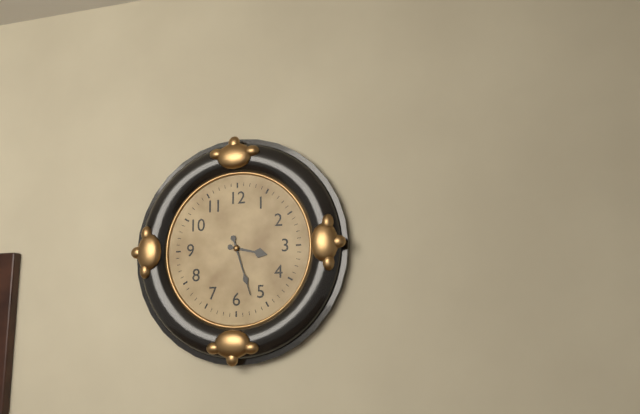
3 h 27 min
